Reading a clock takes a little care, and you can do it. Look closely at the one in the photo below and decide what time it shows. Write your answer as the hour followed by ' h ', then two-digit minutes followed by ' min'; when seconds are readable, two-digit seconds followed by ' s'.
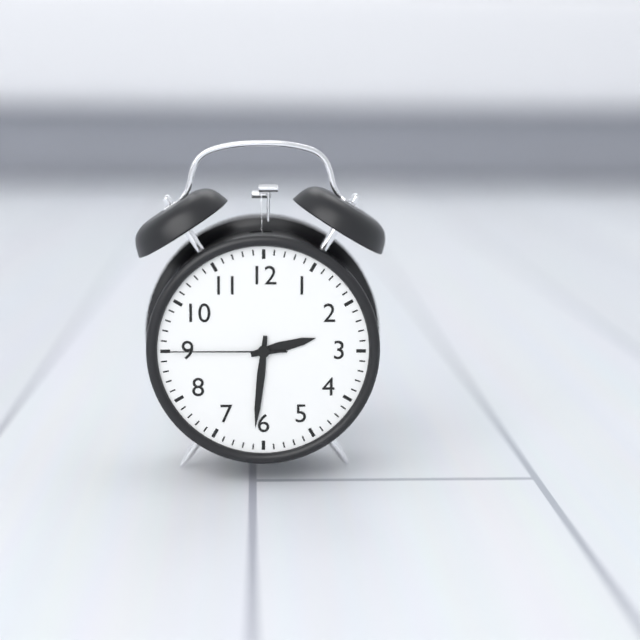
2 h 31 min 45 s
